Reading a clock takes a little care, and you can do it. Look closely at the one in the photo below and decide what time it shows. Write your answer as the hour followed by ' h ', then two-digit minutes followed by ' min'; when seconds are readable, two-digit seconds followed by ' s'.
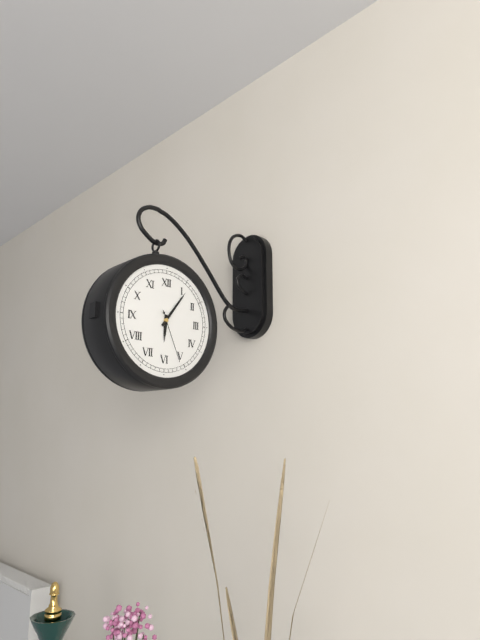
6 h 06 min 26 s
